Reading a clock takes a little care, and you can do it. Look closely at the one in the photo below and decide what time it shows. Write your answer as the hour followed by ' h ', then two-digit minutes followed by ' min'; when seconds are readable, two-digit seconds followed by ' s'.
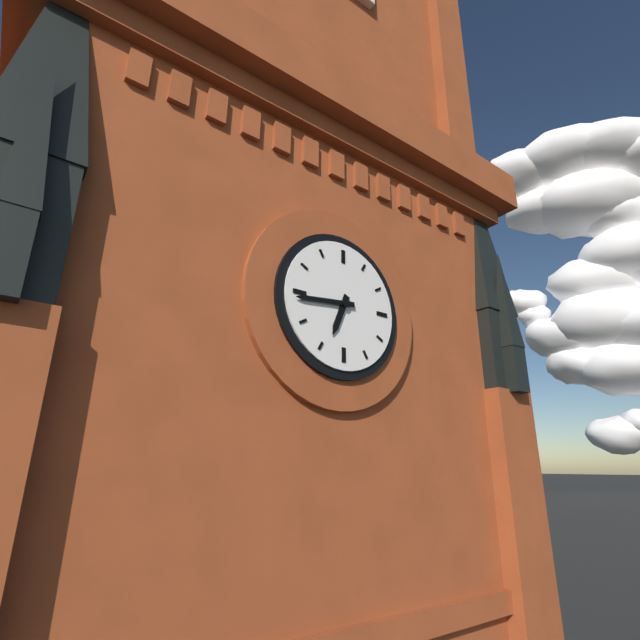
6 h 44 min
